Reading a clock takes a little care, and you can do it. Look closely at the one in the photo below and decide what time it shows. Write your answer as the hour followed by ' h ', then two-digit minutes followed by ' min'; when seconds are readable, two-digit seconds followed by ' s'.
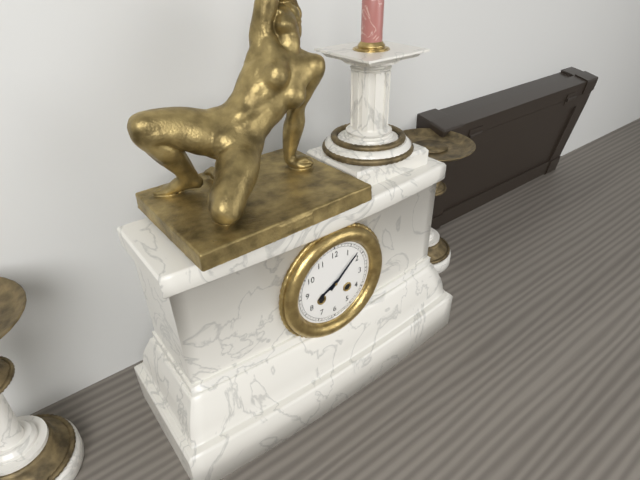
8 h 08 min
